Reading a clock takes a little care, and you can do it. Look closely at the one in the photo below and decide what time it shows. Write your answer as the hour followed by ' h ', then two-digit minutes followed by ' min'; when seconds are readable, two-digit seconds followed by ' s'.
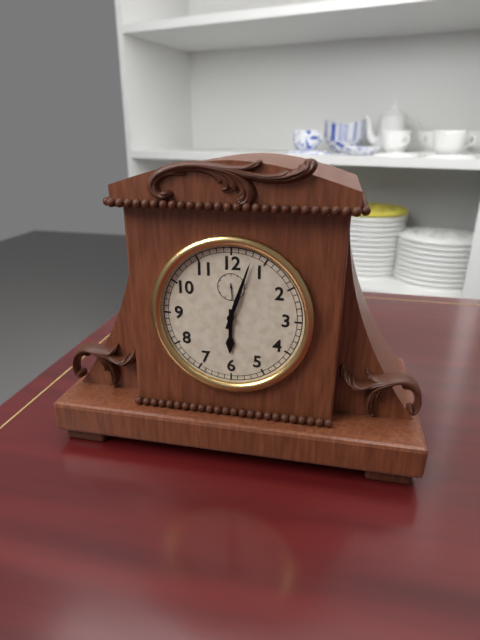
6 h 03 min
